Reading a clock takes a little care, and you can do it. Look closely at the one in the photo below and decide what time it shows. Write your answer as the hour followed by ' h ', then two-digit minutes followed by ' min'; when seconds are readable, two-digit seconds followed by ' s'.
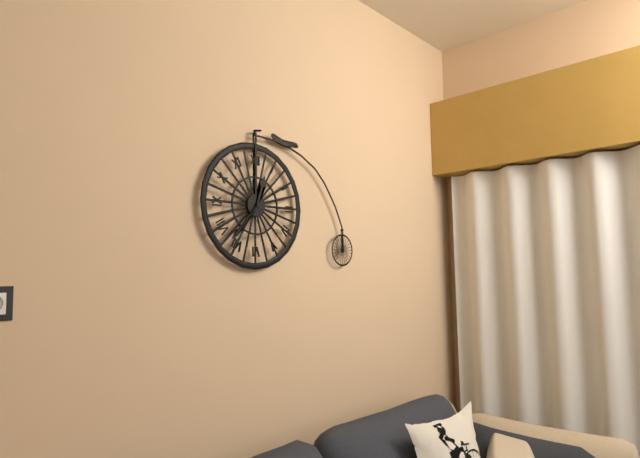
12 h 37 min
